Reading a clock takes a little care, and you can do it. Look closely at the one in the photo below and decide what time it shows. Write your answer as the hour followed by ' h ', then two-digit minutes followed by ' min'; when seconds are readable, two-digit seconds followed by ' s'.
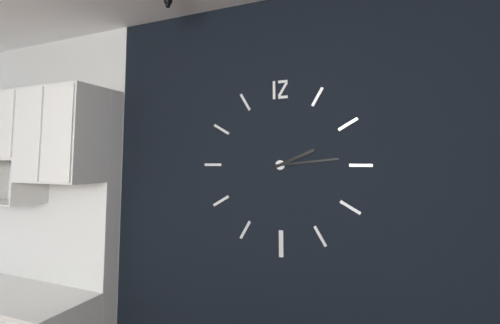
2 h 14 min
